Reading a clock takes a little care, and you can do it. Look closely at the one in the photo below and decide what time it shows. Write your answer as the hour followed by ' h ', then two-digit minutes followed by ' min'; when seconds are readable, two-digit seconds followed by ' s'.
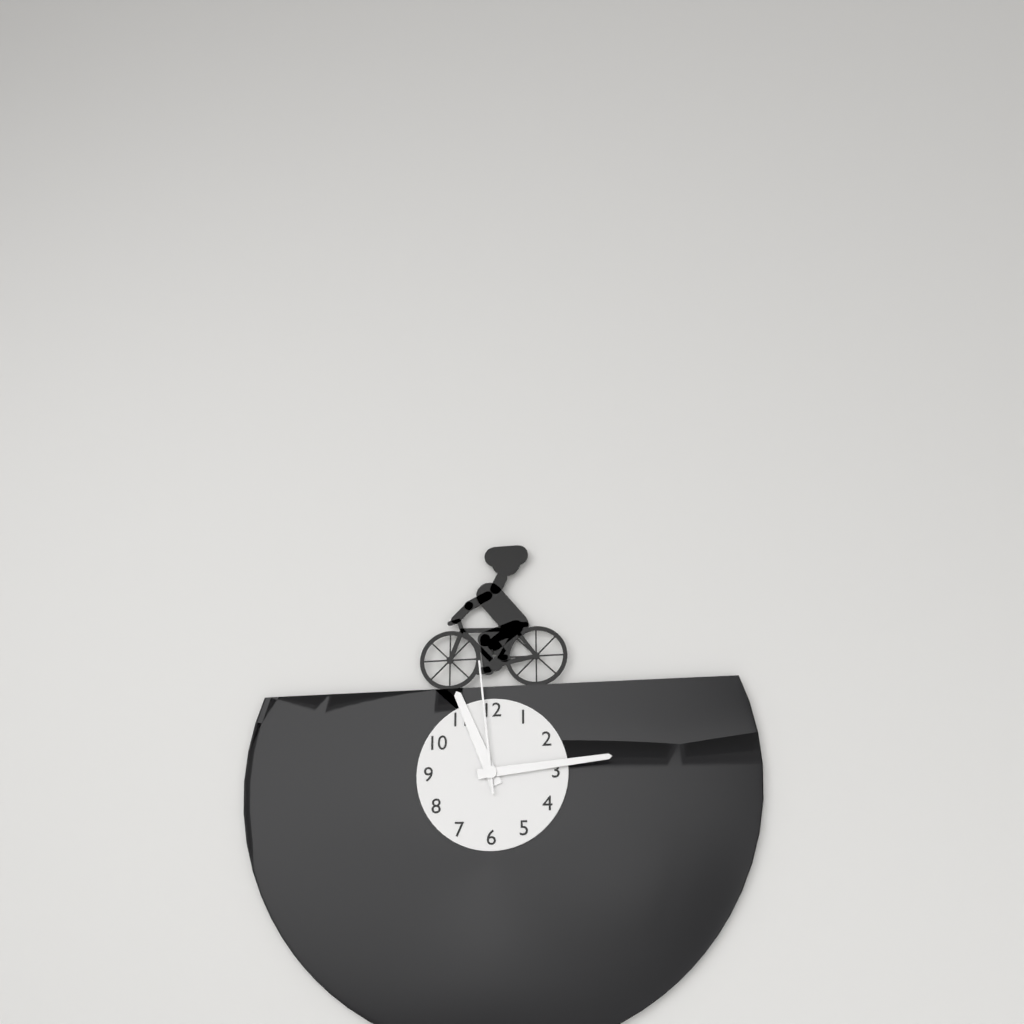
11 h 14 min 59 s
